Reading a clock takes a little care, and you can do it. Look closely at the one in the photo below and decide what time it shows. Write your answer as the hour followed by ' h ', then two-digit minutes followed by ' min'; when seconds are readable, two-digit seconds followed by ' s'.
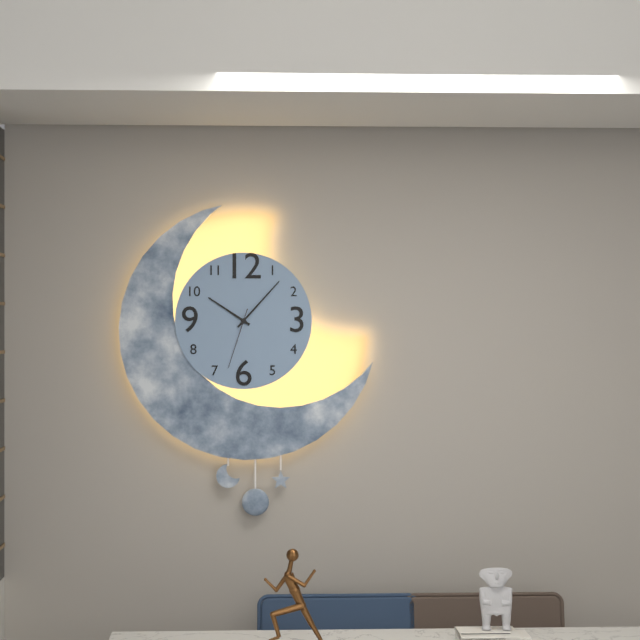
10 h 07 min 33 s
